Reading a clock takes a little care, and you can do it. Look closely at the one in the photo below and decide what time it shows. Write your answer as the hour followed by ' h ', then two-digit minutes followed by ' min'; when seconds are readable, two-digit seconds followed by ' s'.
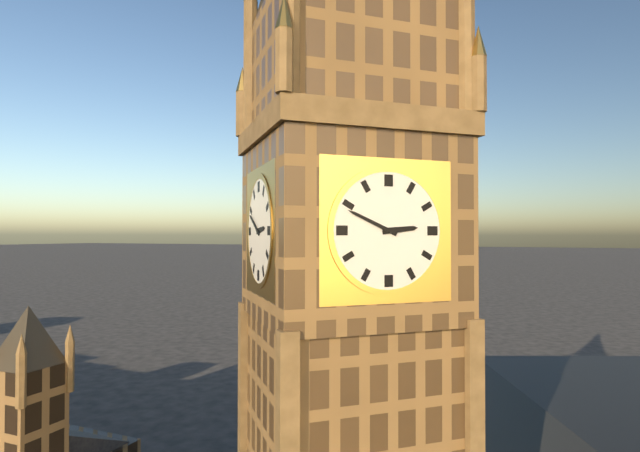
2 h 49 min
